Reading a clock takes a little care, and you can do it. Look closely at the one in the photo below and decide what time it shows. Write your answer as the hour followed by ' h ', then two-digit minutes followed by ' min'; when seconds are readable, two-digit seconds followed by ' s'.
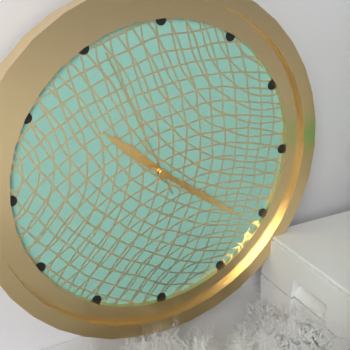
10 h 21 min 56 s
